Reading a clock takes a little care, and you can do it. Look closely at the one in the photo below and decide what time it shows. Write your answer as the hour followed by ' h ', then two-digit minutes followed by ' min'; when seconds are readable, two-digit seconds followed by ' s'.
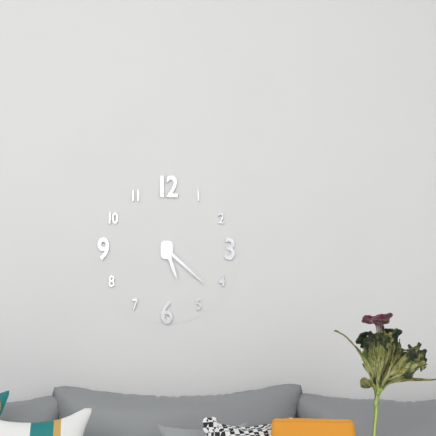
5 h 22 min
